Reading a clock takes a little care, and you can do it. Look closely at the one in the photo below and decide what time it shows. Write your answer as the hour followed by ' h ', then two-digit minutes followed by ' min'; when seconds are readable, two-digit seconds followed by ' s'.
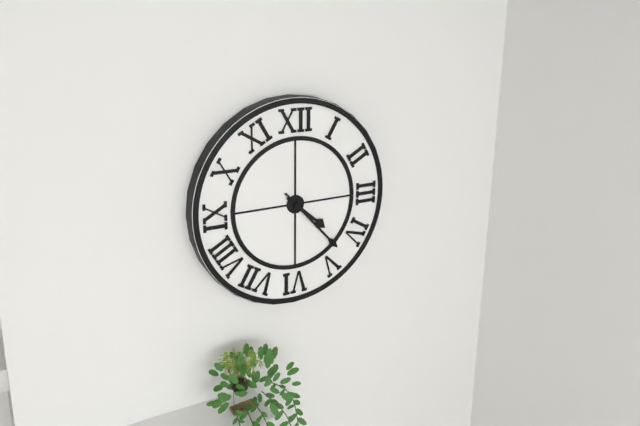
4 h 23 min
